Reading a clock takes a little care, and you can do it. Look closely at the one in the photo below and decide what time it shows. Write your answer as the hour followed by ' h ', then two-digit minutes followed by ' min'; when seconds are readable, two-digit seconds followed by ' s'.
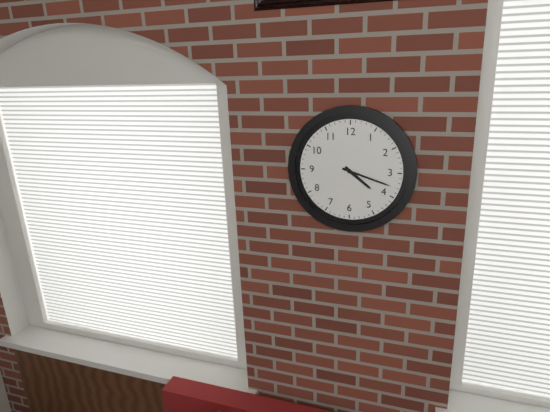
4 h 18 min
